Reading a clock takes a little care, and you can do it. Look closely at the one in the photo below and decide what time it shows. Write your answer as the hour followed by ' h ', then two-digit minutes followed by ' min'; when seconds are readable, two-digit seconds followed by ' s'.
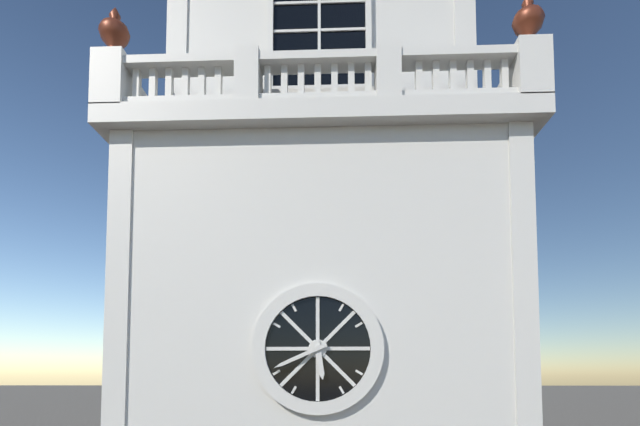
5 h 41 min
